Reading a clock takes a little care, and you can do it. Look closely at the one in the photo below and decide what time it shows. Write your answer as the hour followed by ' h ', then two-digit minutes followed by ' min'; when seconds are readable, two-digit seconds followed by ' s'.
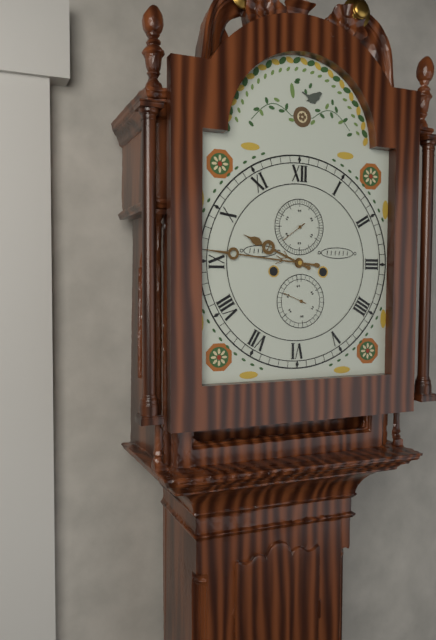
9 h 46 min
